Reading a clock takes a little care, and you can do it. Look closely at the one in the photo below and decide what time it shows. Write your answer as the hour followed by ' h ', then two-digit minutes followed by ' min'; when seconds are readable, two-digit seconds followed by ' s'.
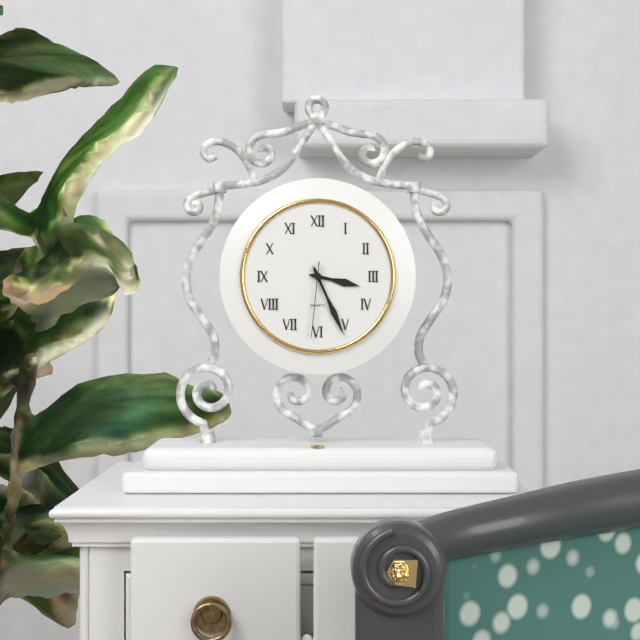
3 h 26 min 31 s
